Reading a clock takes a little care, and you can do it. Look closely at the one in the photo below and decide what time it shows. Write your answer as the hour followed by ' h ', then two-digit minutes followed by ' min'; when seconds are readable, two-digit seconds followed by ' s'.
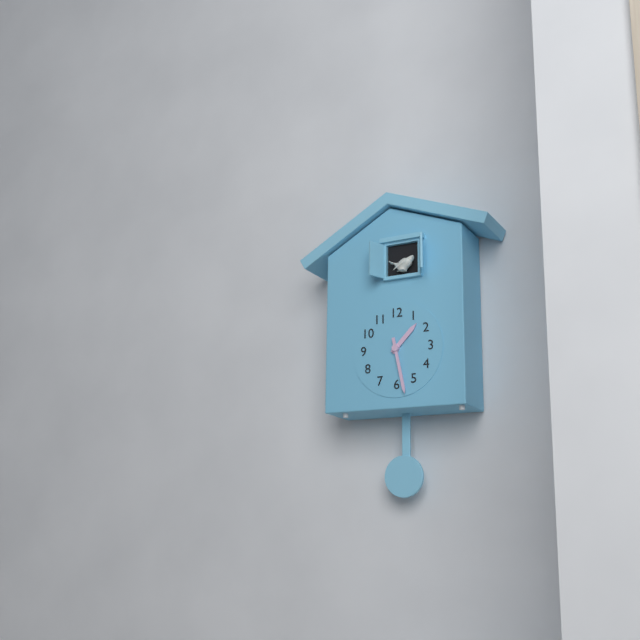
1 h 28 min
